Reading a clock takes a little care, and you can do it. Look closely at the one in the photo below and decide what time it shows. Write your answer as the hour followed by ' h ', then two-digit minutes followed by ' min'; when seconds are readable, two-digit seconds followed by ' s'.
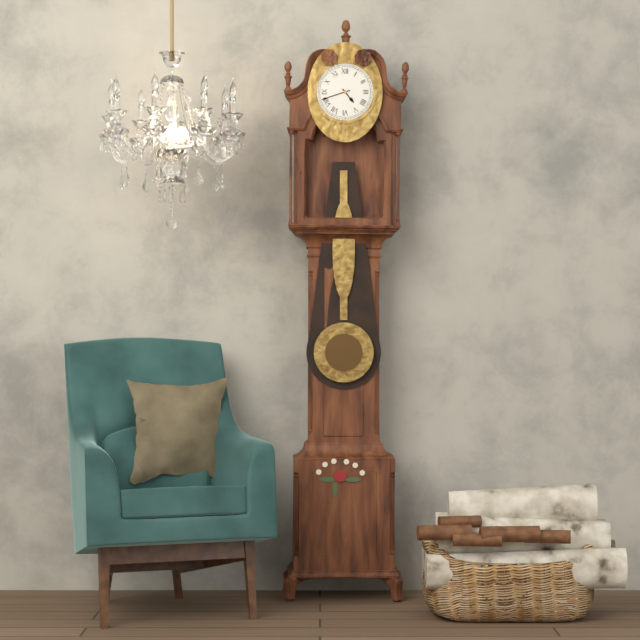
4 h 42 min
